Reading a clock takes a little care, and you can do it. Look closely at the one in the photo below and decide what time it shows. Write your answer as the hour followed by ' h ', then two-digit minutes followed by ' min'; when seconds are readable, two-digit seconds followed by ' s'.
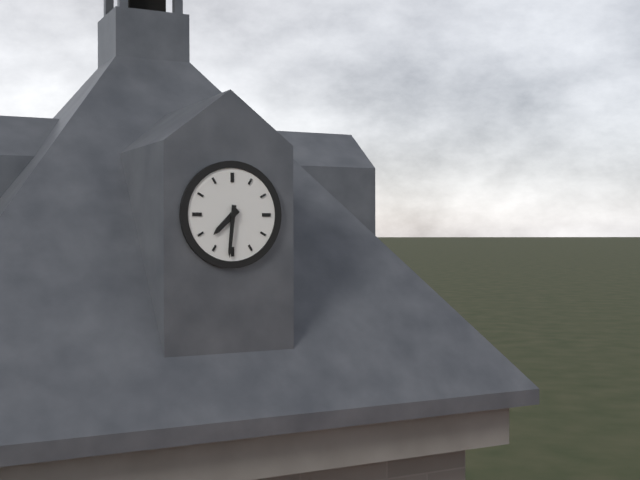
7 h 31 min
